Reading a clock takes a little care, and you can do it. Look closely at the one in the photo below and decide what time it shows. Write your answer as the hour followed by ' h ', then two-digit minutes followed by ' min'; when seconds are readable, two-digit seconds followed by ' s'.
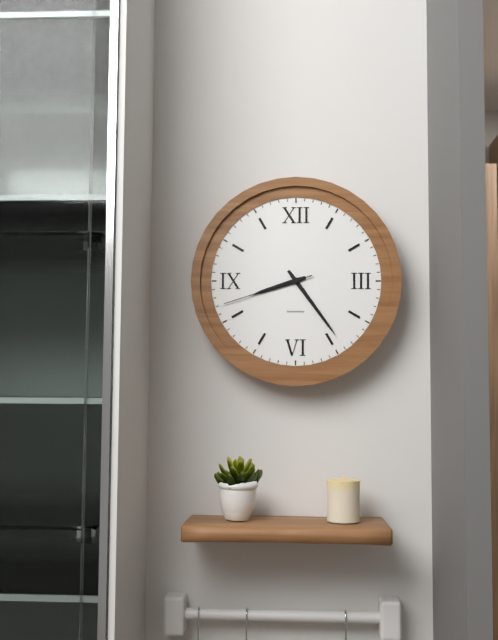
8 h 24 min 42 s
